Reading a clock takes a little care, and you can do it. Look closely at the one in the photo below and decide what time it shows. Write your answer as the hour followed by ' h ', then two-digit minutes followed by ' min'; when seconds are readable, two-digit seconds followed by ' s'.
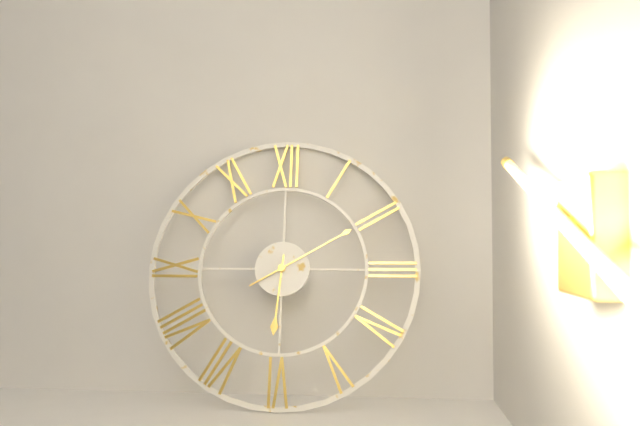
6 h 10 min
